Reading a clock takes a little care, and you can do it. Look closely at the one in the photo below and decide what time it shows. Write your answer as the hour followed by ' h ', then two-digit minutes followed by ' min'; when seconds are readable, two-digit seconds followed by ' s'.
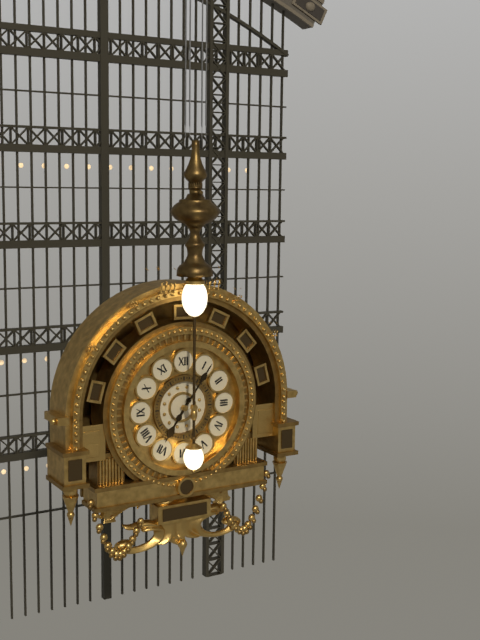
7 h 06 min
